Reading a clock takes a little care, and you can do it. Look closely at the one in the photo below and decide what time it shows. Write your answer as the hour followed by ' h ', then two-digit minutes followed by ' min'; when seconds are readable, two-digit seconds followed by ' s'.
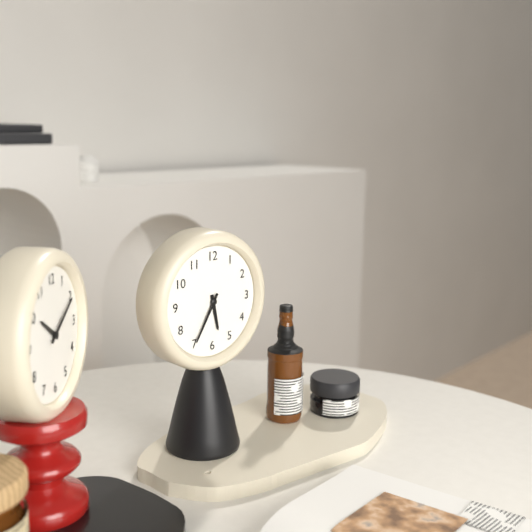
5 h 35 min
